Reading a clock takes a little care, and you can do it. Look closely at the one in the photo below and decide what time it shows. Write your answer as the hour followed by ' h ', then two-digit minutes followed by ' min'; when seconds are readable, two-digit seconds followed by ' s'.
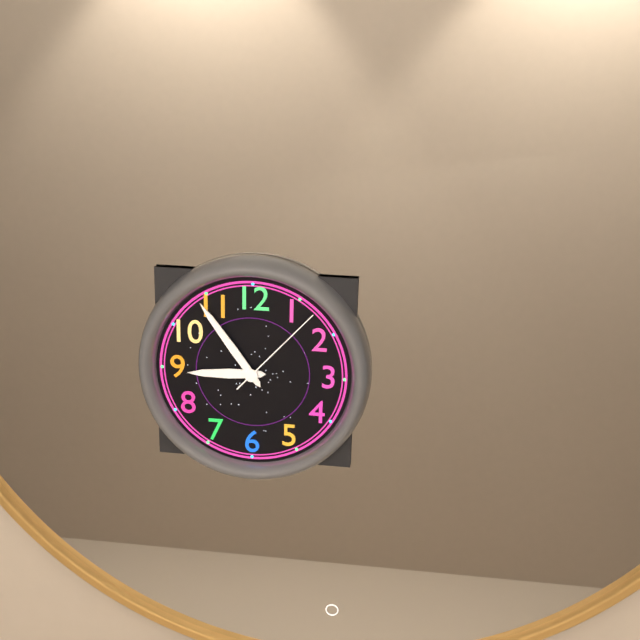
8 h 54 min 07 s
